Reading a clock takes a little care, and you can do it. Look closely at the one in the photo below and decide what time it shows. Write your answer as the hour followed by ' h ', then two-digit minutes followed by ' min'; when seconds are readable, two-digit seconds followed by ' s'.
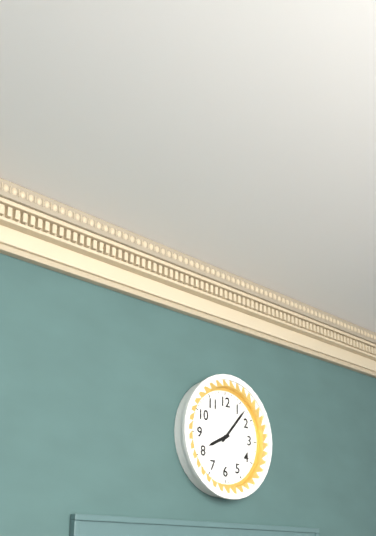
8 h 07 min
